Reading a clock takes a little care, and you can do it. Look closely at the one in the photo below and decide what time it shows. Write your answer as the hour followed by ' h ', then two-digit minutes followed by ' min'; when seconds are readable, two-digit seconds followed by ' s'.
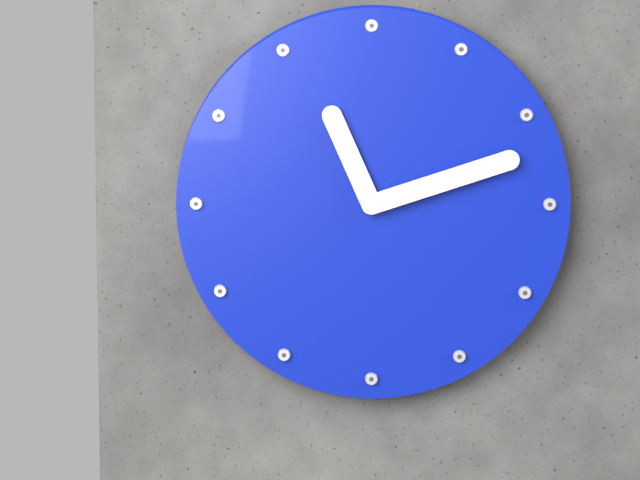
11 h 12 min
